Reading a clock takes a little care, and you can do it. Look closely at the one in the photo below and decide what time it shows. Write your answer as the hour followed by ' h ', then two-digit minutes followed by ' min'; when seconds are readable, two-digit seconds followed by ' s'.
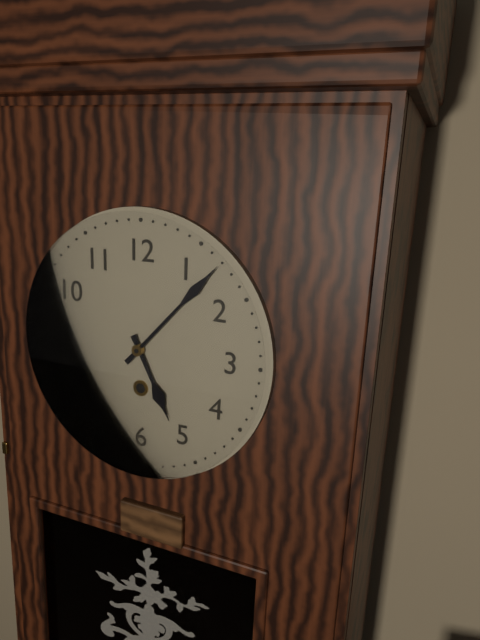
5 h 07 min
